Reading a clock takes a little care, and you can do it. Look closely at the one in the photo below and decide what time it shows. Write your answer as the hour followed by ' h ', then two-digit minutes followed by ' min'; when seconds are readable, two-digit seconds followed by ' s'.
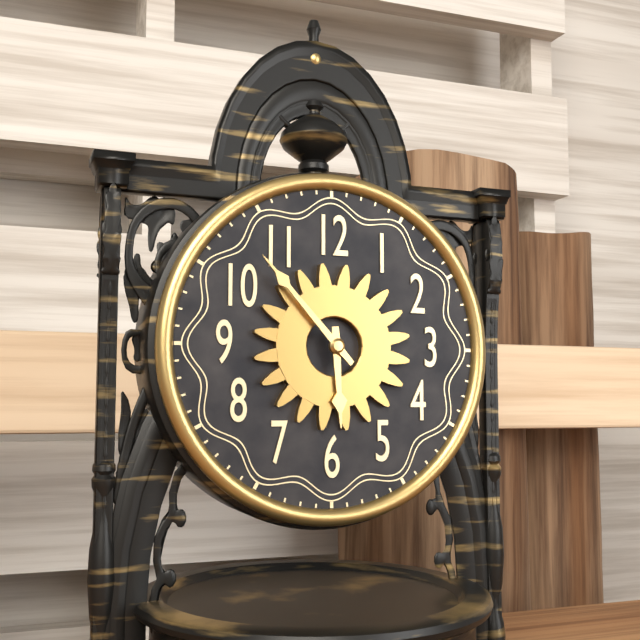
5 h 53 min
